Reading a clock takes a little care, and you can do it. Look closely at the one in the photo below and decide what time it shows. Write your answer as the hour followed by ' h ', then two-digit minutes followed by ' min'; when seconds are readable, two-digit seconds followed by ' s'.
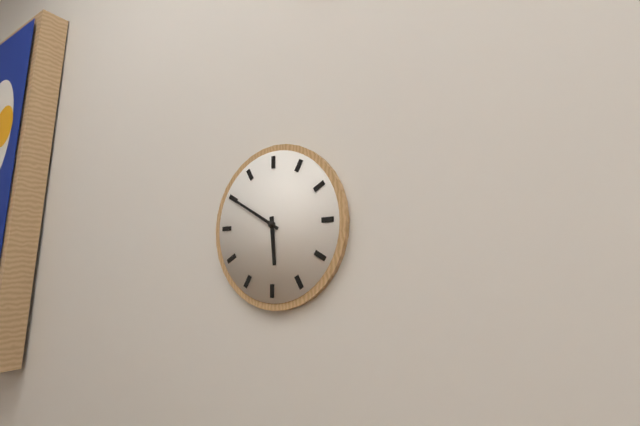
5 h 50 min
